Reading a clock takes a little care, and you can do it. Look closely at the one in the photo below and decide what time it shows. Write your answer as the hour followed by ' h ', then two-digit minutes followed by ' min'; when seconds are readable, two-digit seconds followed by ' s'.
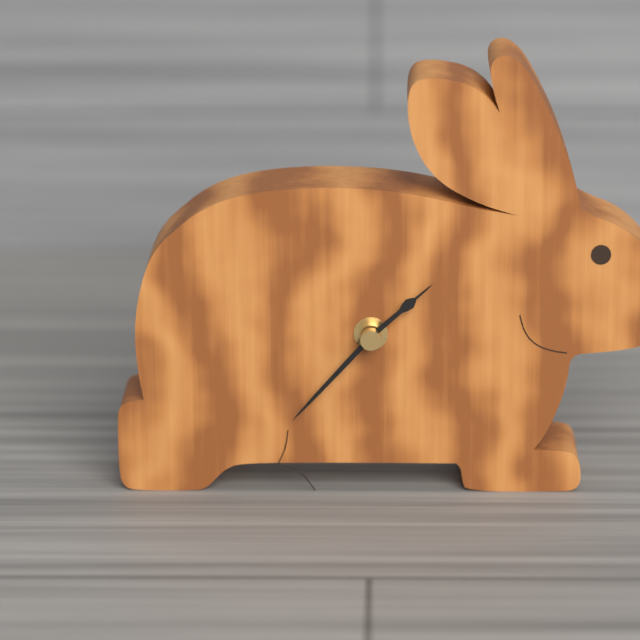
1 h 37 min
